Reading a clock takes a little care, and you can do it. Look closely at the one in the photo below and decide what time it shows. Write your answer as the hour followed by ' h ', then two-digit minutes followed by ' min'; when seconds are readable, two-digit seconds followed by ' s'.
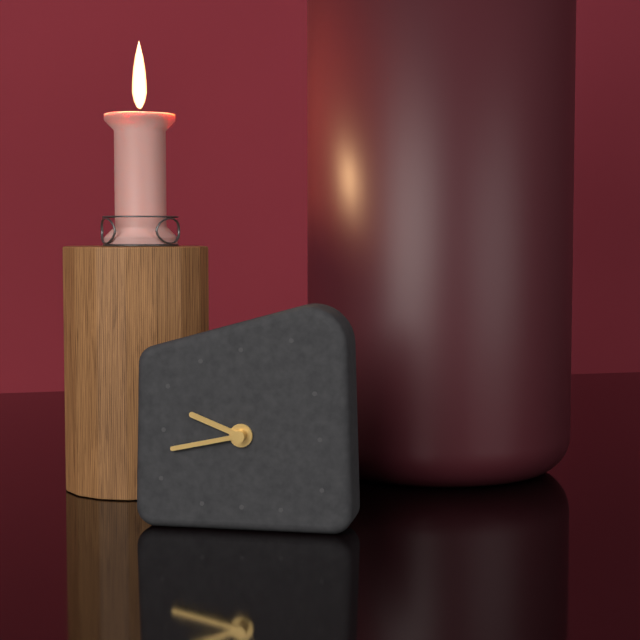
9 h 43 min
